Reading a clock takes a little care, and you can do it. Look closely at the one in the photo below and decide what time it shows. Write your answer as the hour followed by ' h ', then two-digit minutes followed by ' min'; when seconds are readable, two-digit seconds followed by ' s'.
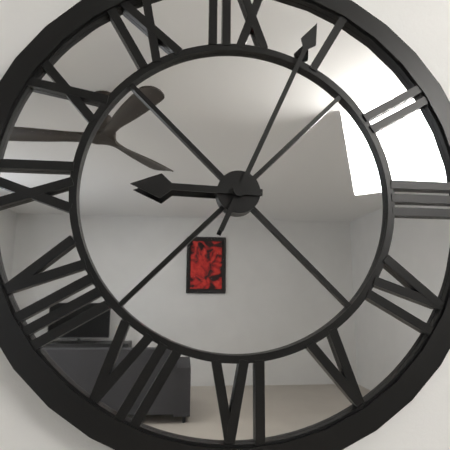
9 h 04 min
